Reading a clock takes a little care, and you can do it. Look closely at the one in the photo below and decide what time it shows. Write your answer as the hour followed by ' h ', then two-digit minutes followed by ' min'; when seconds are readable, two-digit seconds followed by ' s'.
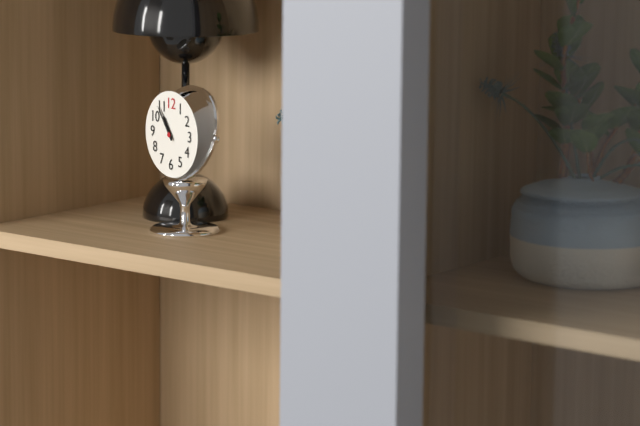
10 h 54 min
